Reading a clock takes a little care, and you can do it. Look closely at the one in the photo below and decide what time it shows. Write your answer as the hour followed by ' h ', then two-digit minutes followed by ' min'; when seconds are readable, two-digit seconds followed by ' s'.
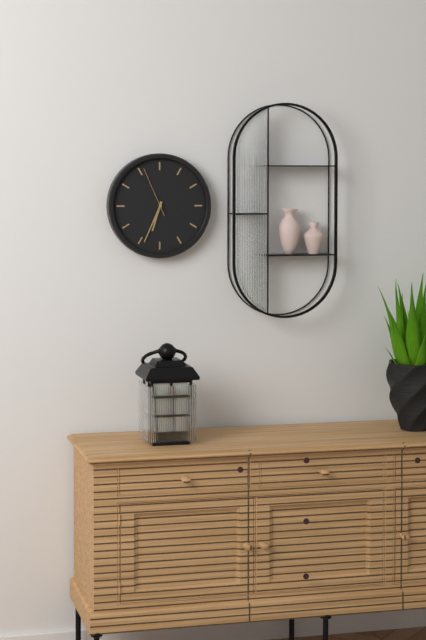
6 h 34 min 56 s
